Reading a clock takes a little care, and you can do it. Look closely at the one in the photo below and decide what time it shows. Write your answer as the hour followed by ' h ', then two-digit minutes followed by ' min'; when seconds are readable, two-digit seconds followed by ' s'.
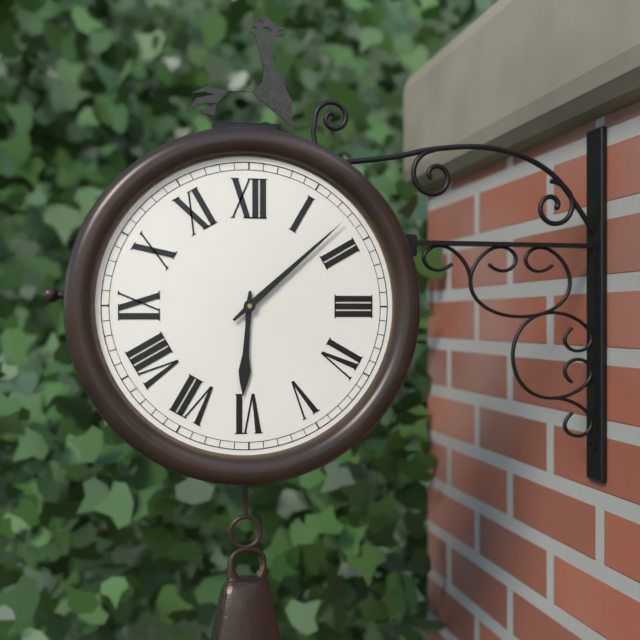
6 h 08 min
